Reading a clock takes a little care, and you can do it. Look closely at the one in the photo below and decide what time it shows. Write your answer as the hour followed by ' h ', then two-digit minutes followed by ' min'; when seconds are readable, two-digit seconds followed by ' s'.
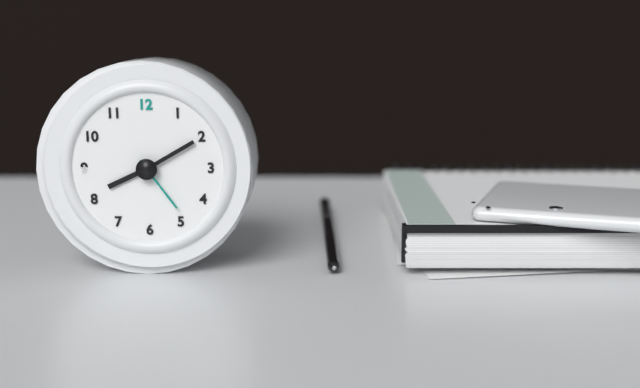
8 h 10 min 24 s
